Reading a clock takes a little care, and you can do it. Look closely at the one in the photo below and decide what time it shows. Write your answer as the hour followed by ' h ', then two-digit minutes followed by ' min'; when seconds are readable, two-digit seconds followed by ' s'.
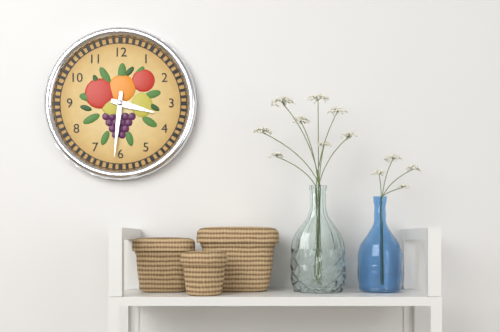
3 h 31 min
